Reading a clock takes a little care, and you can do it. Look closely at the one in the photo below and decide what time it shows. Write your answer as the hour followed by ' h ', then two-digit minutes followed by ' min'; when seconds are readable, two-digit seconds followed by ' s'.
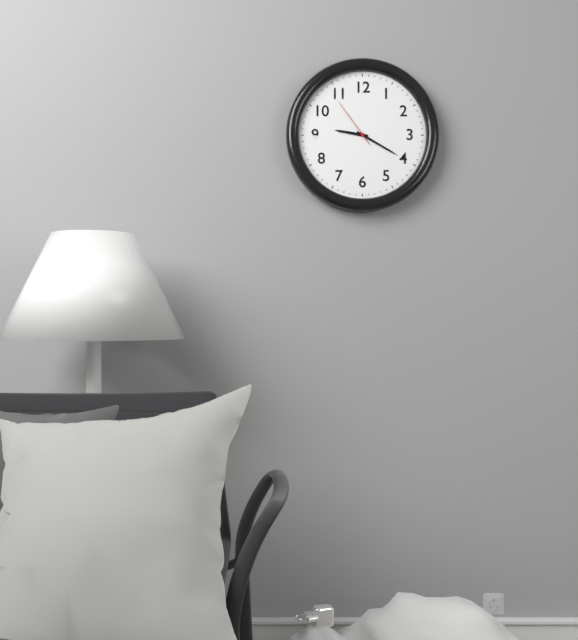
9 h 20 min 54 s
